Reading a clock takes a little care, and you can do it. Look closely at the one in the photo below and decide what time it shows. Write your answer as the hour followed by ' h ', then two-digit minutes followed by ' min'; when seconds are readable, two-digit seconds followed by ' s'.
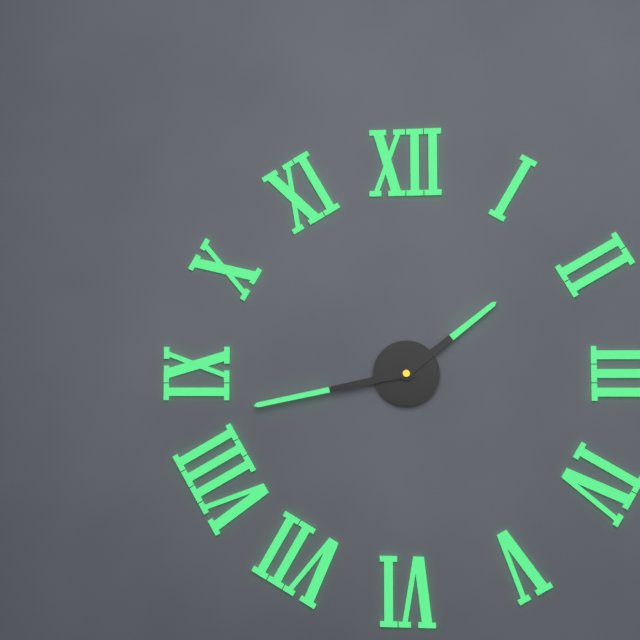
1 h 43 min
